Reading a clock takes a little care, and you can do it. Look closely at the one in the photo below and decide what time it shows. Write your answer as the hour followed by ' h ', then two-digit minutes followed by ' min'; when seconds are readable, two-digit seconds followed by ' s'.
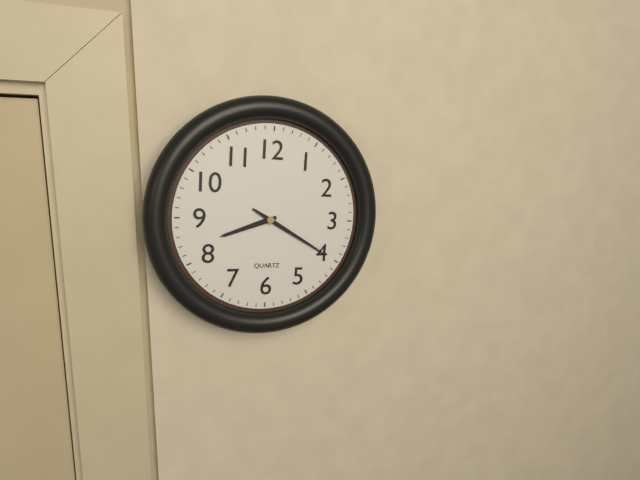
8 h 20 min
